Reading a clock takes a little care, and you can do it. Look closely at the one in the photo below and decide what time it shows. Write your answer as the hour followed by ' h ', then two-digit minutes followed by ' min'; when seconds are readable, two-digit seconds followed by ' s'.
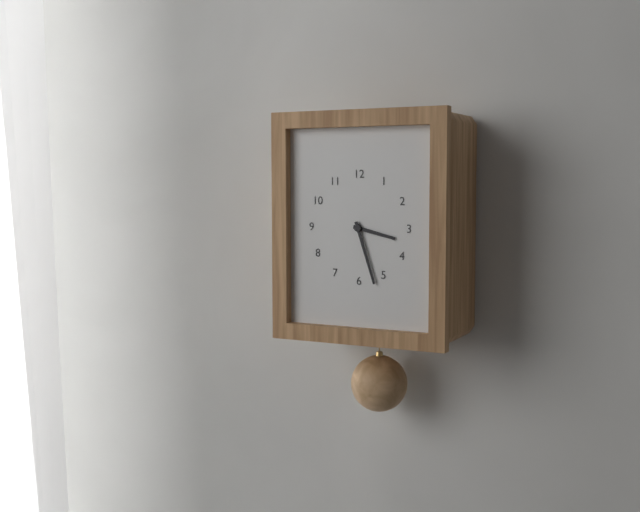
3 h 27 min
